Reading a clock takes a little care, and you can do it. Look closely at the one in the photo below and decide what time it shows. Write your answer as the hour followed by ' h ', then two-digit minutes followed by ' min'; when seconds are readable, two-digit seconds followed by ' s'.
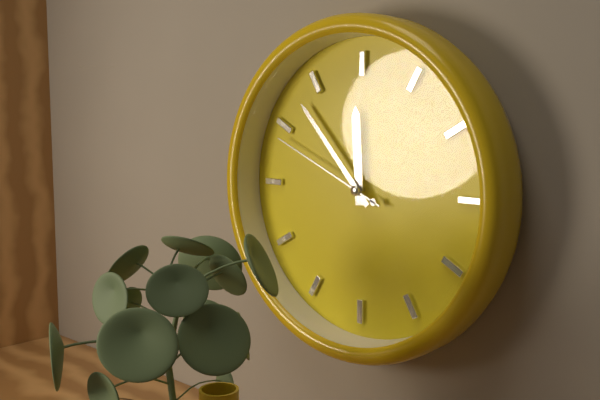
11 h 53 min 49 s
